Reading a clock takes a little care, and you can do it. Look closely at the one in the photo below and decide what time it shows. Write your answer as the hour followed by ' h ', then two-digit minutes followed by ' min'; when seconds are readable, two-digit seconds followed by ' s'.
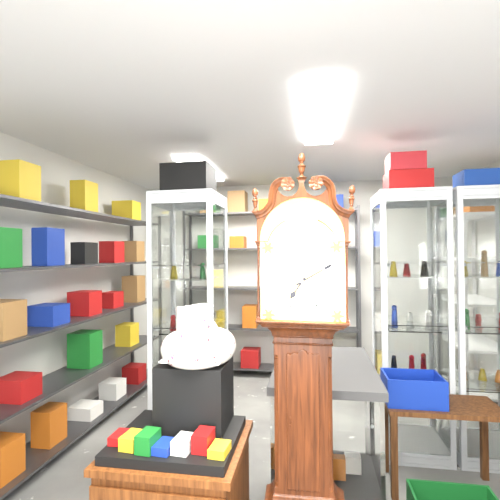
7 h 10 min
